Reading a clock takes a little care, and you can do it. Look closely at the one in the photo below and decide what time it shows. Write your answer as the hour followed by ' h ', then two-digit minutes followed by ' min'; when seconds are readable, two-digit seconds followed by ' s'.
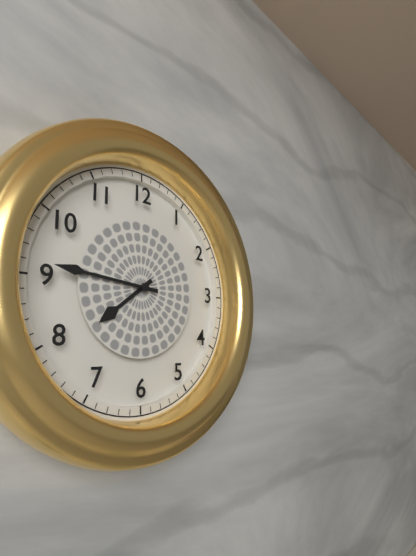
7 h 46 min
